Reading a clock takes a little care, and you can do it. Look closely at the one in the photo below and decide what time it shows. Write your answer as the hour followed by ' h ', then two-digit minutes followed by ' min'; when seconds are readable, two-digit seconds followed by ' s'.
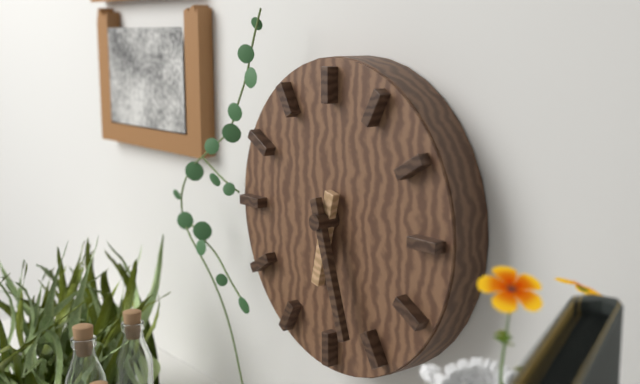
6 h 27 min
